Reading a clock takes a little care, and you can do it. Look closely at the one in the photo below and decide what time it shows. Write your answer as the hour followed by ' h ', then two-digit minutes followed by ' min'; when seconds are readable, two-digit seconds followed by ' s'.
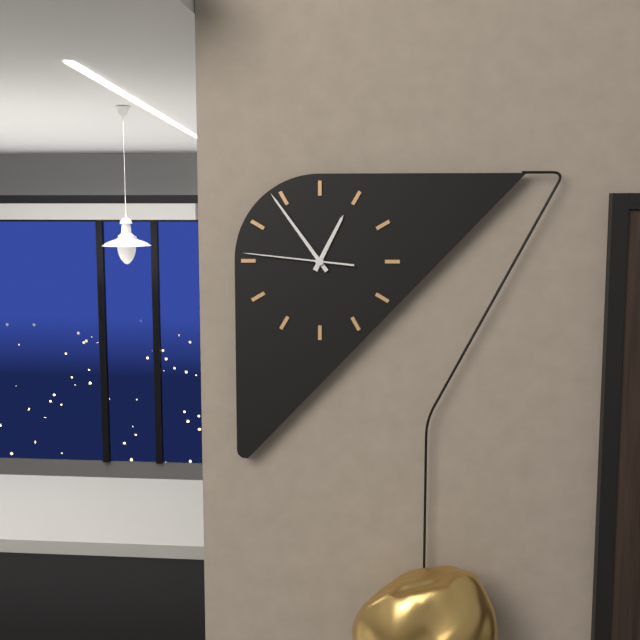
12 h 54 min 46 s
